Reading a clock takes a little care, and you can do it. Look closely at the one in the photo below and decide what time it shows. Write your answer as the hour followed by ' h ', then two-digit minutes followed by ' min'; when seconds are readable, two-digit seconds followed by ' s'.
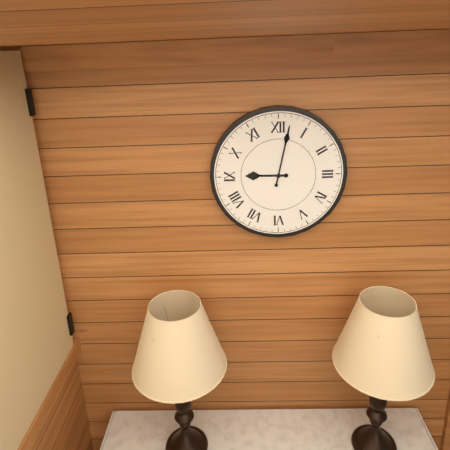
9 h 02 min
